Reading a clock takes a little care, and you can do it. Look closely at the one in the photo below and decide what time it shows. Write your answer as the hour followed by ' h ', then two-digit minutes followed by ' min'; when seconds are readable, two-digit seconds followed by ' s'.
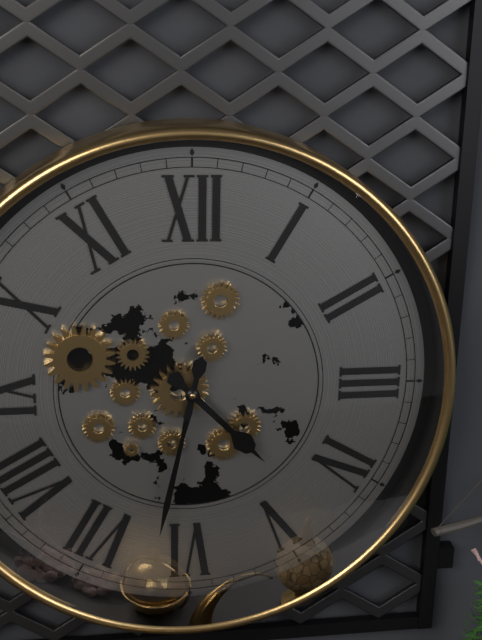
4 h 32 min
